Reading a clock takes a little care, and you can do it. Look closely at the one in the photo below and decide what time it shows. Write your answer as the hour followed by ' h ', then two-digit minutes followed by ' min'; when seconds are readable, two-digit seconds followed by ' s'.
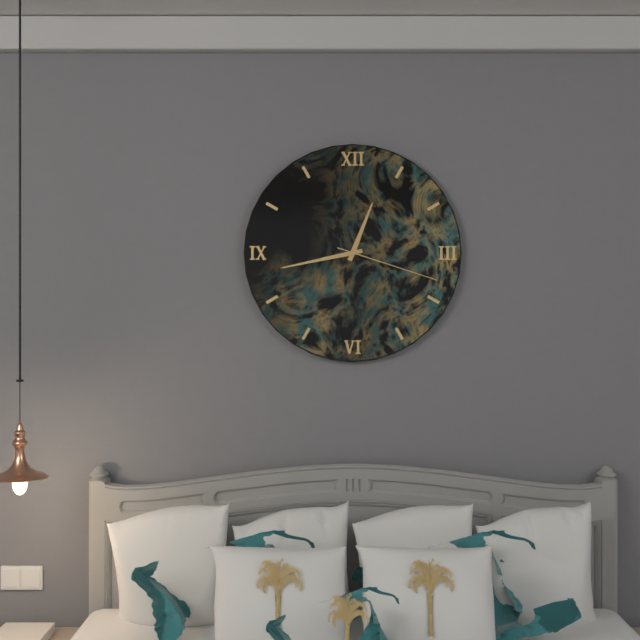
12 h 43 min 18 s
